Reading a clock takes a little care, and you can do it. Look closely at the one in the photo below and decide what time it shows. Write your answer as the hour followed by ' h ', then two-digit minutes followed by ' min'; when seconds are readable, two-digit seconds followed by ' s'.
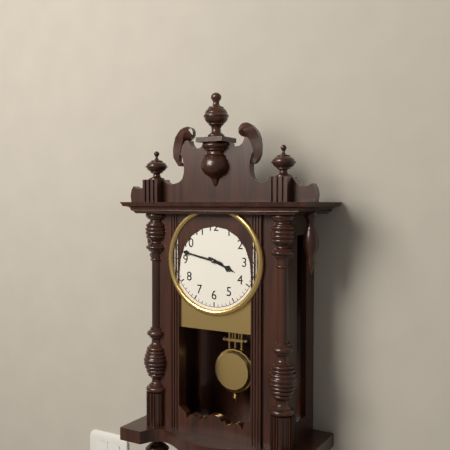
3 h 47 min
